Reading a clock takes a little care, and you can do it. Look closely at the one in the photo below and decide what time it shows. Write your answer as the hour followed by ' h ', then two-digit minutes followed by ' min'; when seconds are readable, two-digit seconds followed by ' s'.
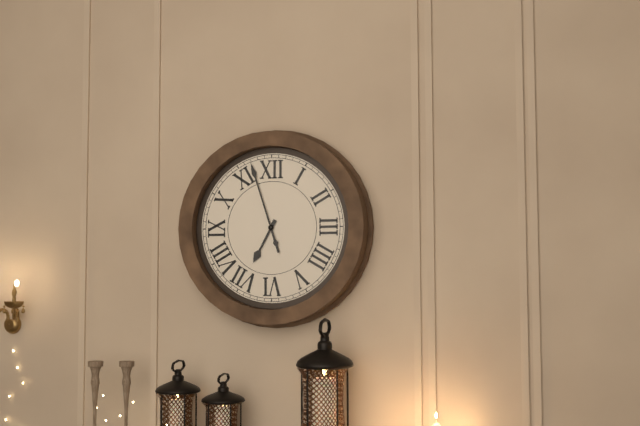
6 h 57 min
